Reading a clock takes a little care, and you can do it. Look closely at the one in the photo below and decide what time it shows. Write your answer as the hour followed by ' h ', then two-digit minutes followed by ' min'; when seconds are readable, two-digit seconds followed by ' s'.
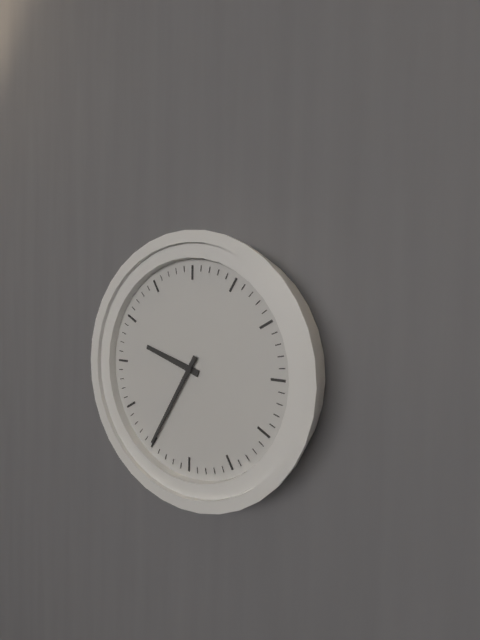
9 h 35 min
